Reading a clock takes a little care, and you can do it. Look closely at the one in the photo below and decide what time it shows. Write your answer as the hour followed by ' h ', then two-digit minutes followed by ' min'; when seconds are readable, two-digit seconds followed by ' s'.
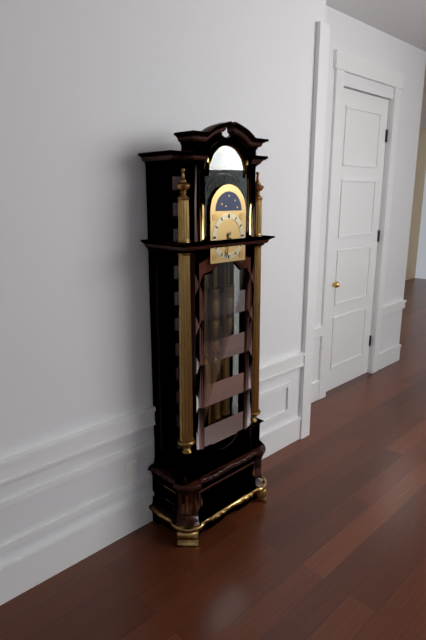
4 h 32 min
